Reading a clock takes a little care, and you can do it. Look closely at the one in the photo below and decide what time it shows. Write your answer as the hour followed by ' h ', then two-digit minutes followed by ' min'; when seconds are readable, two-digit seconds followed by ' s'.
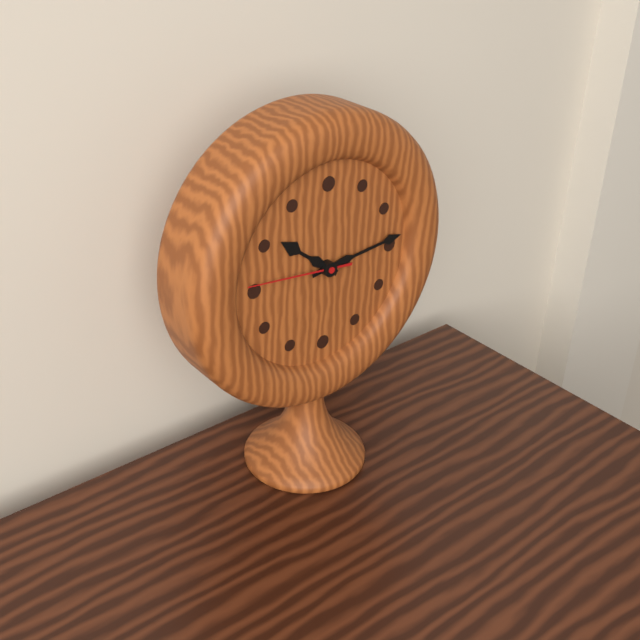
10 h 14 min 46 s
